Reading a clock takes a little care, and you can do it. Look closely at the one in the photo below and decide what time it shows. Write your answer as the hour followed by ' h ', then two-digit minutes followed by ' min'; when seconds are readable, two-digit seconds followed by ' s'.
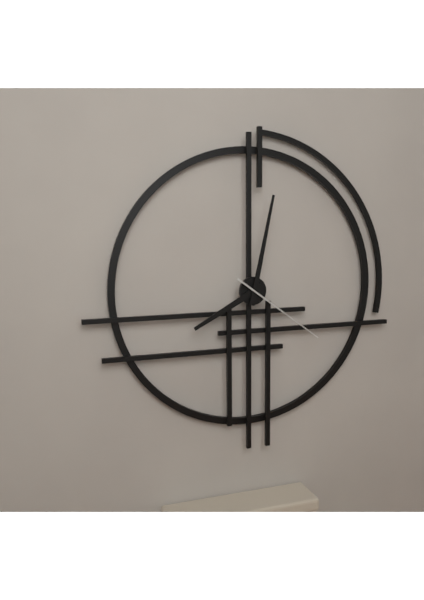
8 h 02 min 21 s
